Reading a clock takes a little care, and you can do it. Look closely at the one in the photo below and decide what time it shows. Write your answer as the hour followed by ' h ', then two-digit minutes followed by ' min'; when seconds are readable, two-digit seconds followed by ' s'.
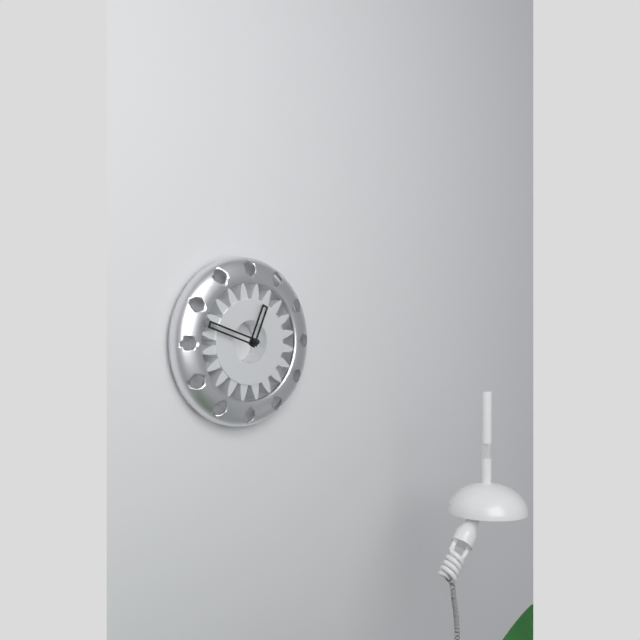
12 h 48 min
